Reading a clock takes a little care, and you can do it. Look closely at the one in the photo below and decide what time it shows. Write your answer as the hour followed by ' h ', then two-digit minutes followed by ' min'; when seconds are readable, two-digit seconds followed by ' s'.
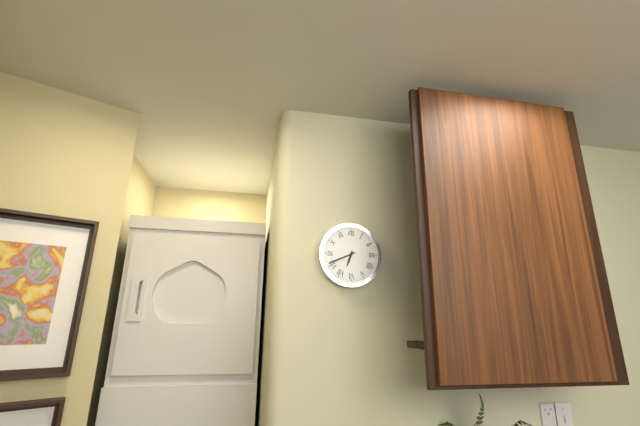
6 h 41 min
